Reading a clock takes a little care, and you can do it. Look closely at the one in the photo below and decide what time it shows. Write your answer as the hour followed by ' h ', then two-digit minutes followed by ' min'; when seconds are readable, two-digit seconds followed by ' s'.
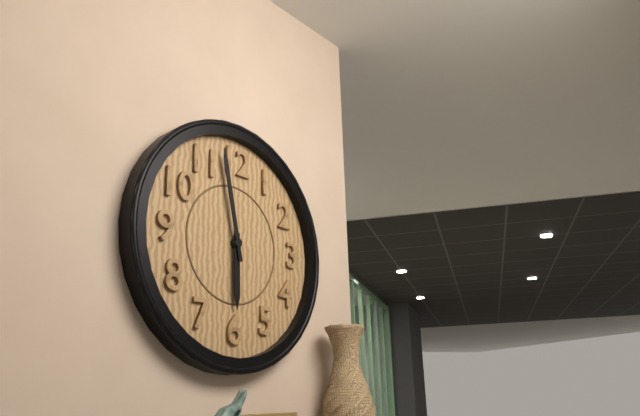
5 h 58 min
